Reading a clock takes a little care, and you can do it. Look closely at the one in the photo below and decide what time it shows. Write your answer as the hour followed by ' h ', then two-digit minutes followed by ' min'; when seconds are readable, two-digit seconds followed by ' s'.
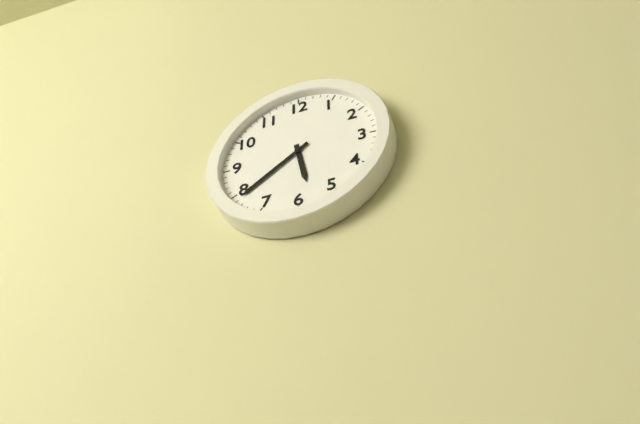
5 h 39 min
